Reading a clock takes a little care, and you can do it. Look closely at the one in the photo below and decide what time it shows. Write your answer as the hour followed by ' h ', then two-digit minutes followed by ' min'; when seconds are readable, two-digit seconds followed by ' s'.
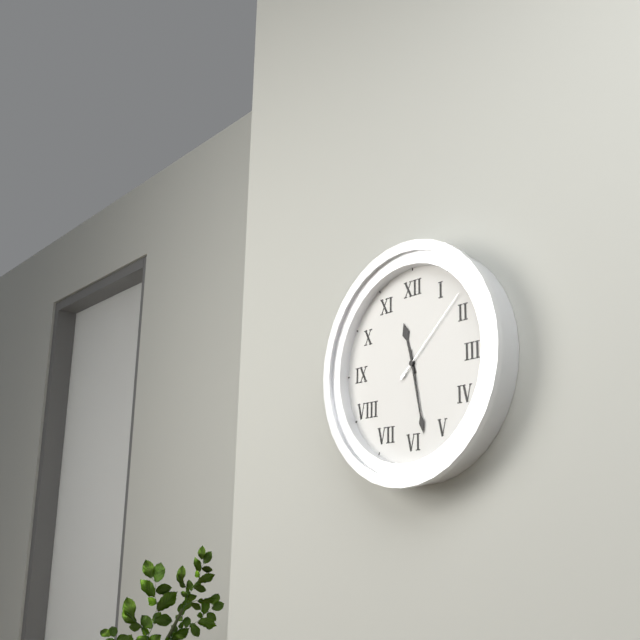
11 h 28 min 08 s
